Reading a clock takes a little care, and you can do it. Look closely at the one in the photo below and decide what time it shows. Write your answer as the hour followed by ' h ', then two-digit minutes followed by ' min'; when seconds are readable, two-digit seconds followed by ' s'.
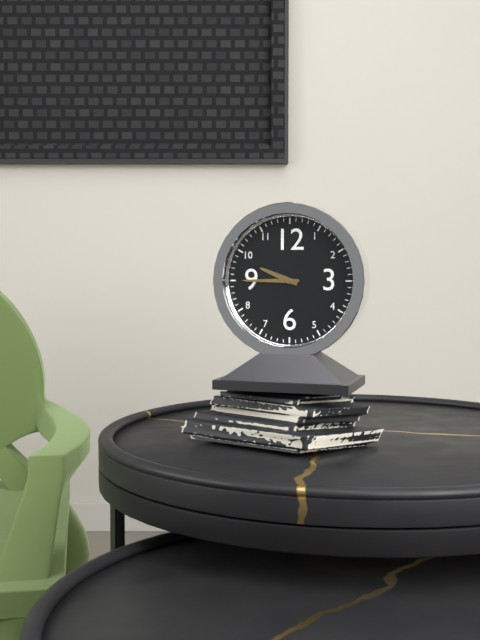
9 h 45 min
